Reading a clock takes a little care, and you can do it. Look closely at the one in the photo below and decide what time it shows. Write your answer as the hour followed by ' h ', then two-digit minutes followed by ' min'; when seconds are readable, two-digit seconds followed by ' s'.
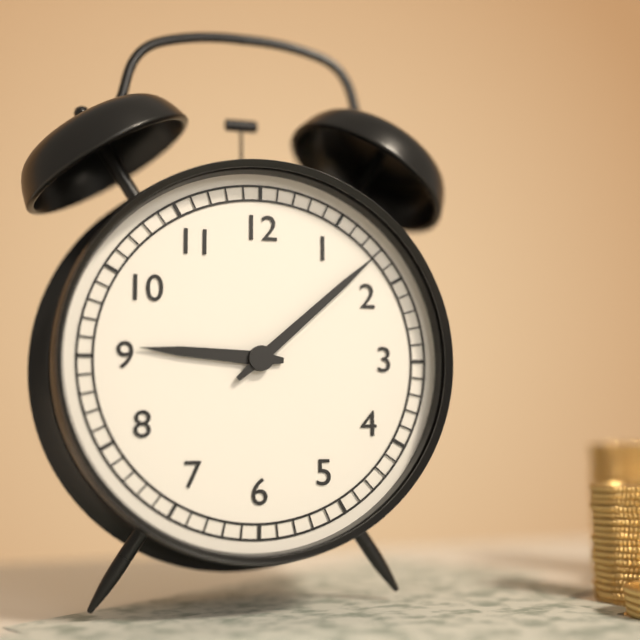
9 h 08 min
